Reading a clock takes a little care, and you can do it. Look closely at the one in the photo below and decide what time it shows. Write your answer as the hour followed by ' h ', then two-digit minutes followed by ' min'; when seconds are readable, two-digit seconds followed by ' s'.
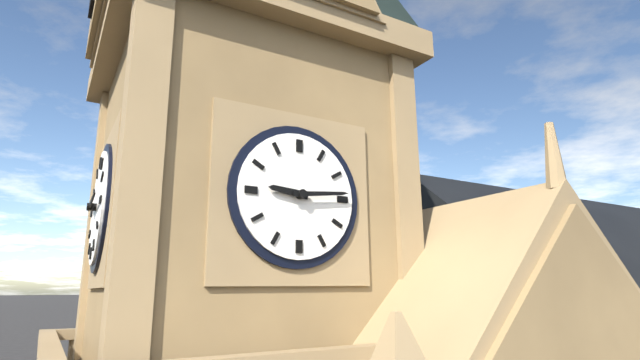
9 h 14 min
